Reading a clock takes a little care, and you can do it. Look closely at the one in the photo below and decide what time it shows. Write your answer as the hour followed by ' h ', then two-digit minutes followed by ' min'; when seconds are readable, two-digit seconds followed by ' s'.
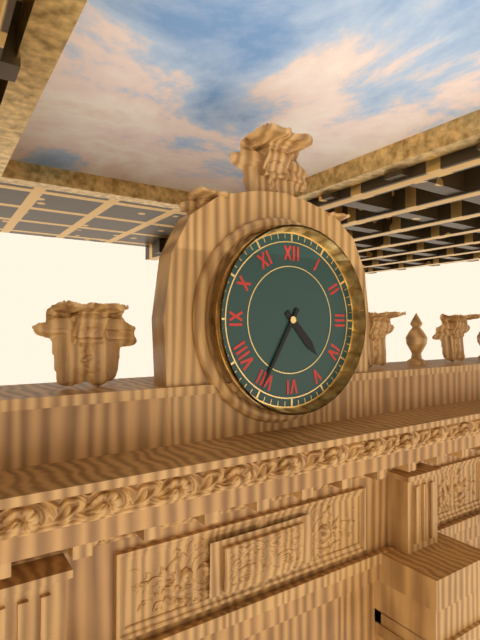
4 h 35 min
